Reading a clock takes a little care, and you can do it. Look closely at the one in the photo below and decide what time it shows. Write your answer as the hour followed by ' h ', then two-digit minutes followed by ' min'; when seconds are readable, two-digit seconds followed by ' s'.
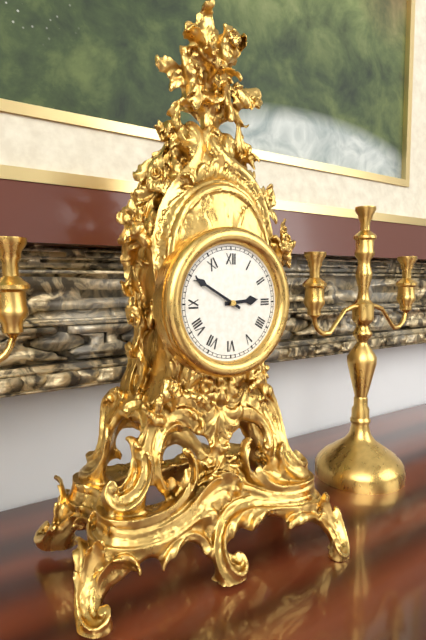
2 h 50 min
